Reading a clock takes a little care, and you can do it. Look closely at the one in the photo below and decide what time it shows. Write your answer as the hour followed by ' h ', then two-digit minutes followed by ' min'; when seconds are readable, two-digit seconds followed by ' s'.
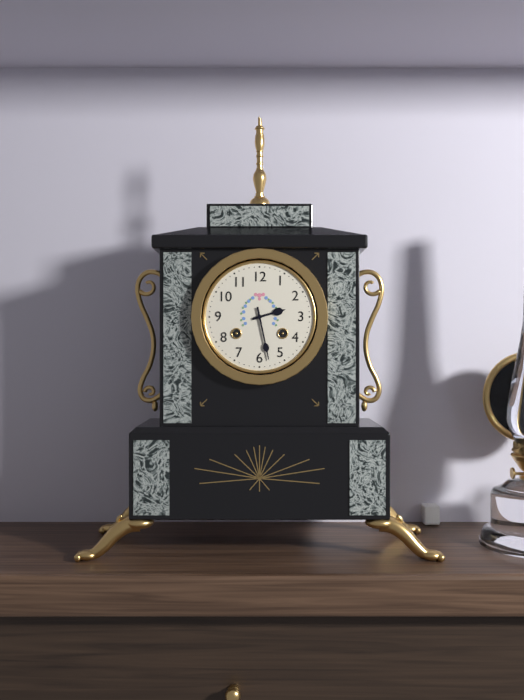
2 h 28 min
